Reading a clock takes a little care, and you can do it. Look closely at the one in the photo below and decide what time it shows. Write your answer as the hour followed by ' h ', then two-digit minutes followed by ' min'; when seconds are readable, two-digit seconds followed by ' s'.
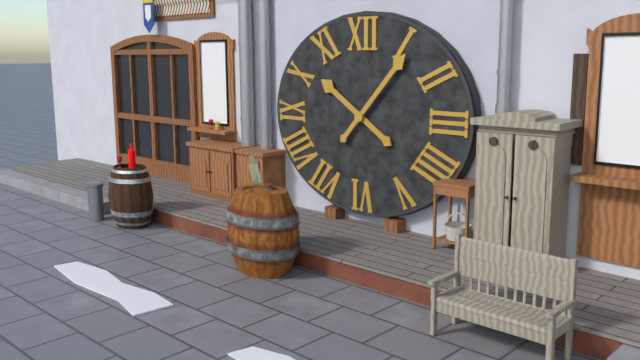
10 h 07 min
